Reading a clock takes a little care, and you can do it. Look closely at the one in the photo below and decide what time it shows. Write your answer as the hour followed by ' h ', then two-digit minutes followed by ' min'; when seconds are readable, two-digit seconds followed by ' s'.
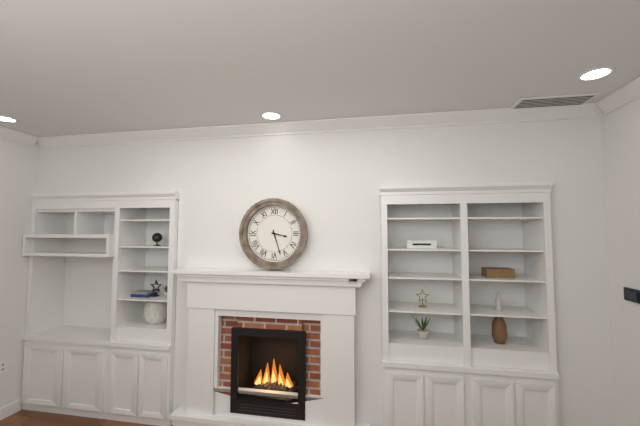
3 h 27 min
